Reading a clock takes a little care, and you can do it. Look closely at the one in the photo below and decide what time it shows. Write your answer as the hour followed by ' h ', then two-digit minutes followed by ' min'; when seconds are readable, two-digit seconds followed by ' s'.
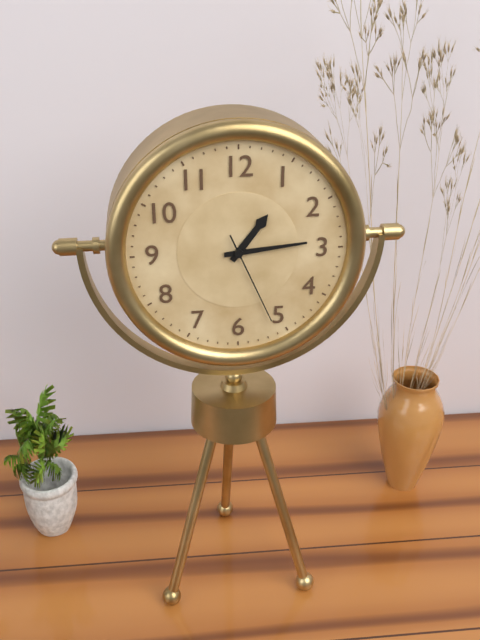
1 h 14 min 26 s
